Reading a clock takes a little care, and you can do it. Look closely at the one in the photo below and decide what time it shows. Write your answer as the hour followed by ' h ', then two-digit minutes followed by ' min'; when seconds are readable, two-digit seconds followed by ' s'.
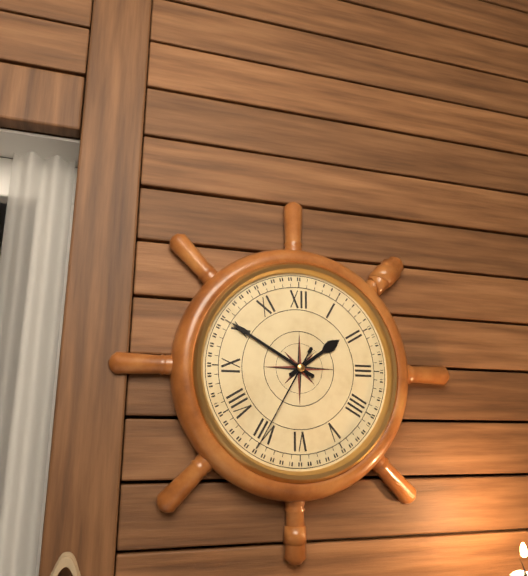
1 h 50 min 35 s
